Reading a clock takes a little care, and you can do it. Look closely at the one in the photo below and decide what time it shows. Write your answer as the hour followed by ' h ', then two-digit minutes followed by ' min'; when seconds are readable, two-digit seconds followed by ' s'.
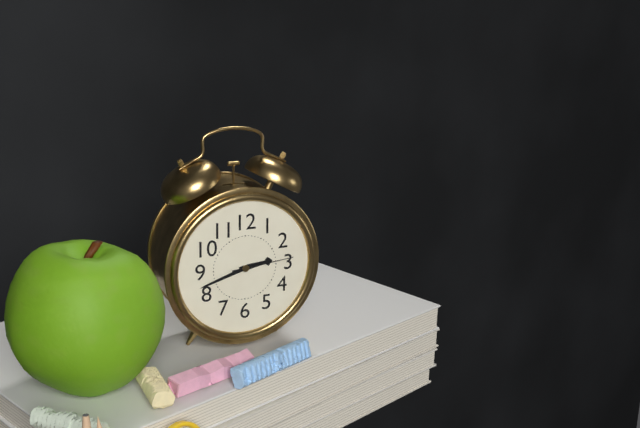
2 h 42 min 14 s
